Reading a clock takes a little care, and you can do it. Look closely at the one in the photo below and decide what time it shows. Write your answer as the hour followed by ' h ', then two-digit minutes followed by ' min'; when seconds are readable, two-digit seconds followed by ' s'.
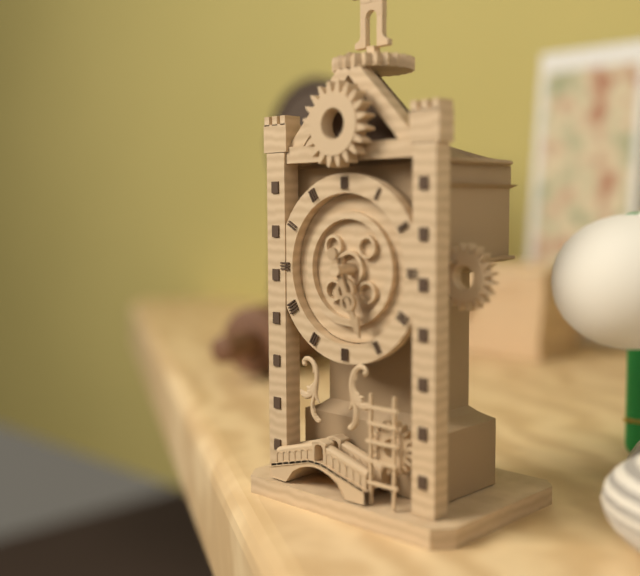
5 h 26 min
